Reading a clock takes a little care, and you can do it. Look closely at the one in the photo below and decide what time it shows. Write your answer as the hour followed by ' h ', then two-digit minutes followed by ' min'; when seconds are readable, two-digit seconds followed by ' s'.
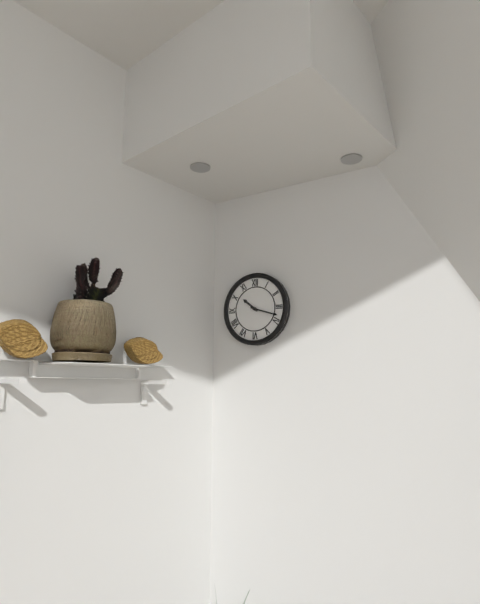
10 h 18 min
